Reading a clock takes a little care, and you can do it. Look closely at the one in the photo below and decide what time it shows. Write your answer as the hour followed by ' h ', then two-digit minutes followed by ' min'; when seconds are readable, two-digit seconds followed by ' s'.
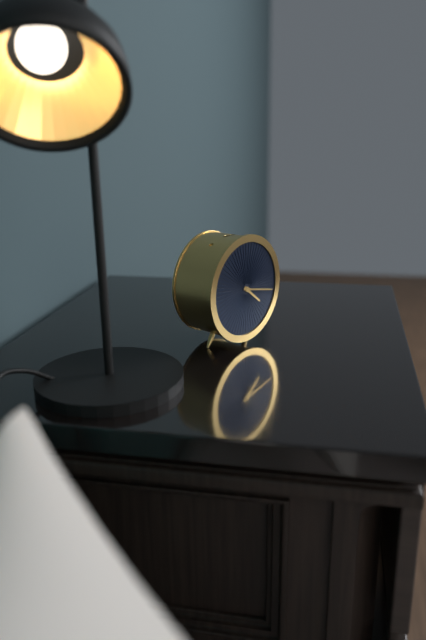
4 h 17 min
